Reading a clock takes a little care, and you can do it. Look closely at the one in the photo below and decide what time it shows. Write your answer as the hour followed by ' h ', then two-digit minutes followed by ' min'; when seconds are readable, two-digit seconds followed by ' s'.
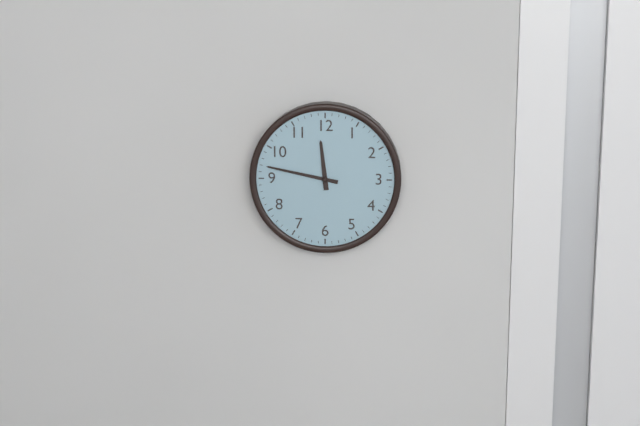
11 h 47 min
